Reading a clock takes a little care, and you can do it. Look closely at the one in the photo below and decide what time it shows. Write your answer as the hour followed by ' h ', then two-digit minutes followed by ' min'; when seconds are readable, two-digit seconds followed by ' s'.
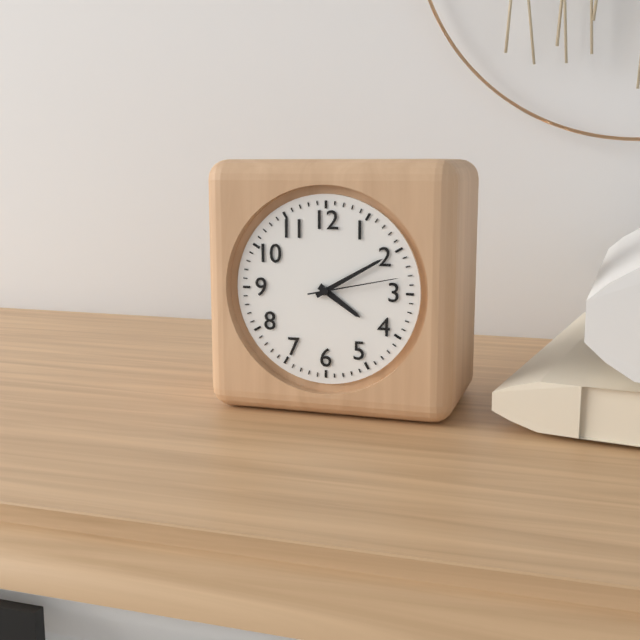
4 h 10 min 13 s
